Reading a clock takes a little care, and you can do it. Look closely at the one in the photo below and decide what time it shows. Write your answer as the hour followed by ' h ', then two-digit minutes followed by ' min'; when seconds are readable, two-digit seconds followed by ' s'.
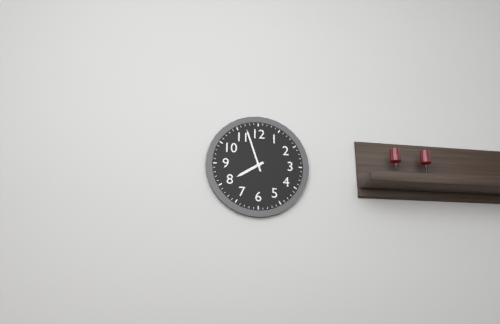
7 h 57 min
